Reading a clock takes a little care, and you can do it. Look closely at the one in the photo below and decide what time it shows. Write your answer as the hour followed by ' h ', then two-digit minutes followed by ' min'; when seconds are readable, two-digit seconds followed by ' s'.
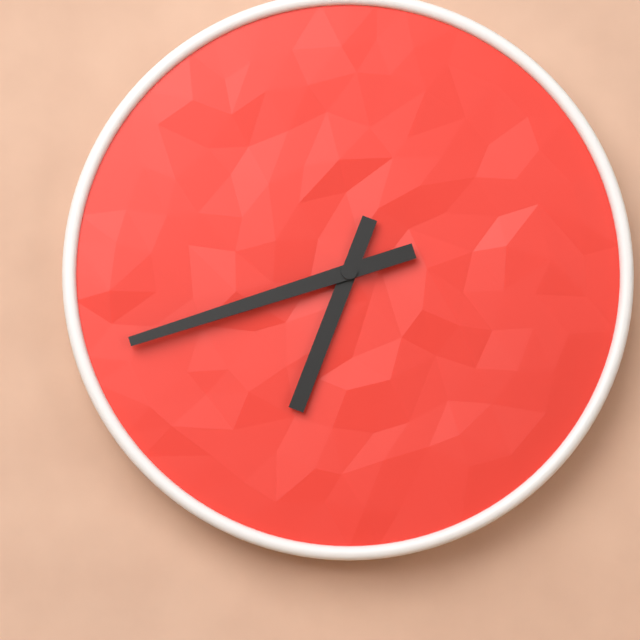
6 h 42 min
